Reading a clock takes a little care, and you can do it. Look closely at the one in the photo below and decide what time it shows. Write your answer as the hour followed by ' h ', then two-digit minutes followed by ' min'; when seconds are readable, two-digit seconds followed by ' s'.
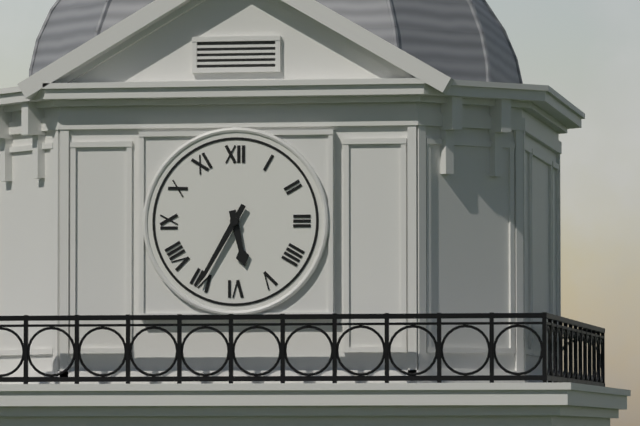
5 h 35 min
